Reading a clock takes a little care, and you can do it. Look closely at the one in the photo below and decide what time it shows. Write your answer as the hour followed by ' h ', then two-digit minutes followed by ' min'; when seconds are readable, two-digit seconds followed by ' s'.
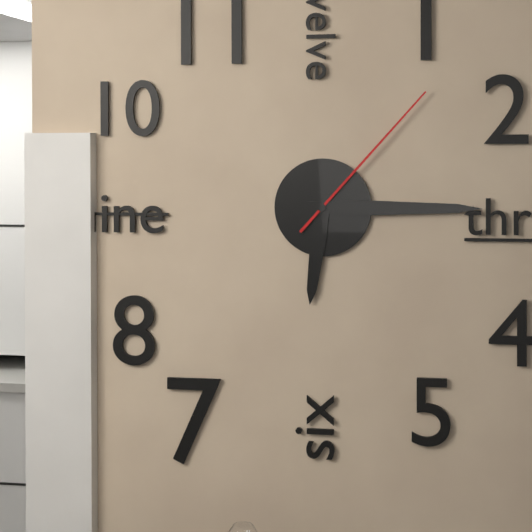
6 h 15 min 07 s
